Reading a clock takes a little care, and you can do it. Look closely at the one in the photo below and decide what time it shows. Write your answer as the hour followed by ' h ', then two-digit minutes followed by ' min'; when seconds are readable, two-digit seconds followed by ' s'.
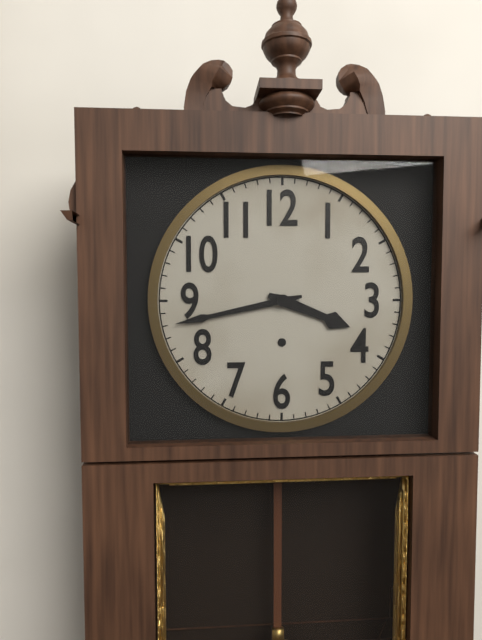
3 h 43 min
